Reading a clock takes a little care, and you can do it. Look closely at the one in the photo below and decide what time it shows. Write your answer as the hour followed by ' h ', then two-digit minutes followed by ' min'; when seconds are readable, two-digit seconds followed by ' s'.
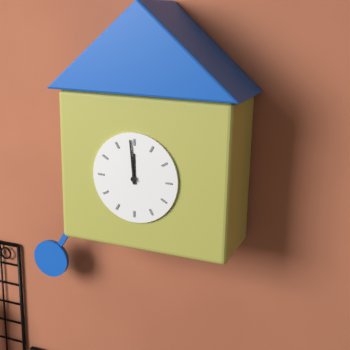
11 h 59 min
